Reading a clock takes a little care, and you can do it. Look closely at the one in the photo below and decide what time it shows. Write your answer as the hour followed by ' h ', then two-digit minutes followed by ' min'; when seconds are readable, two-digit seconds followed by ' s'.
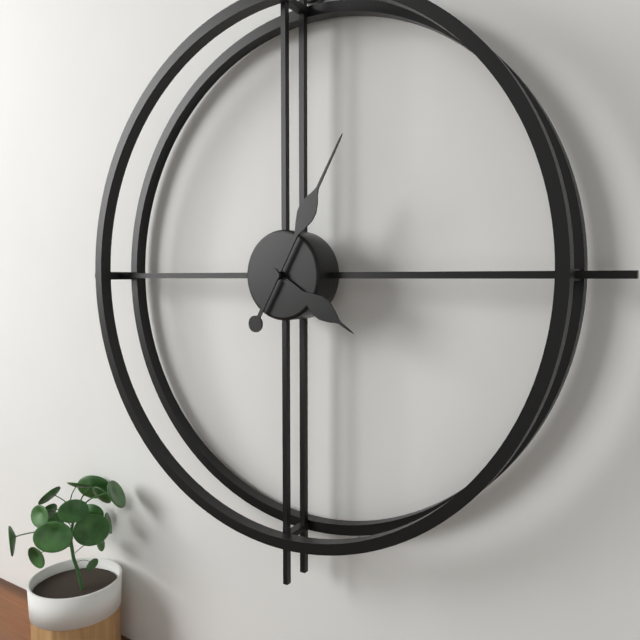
4 h 05 min
